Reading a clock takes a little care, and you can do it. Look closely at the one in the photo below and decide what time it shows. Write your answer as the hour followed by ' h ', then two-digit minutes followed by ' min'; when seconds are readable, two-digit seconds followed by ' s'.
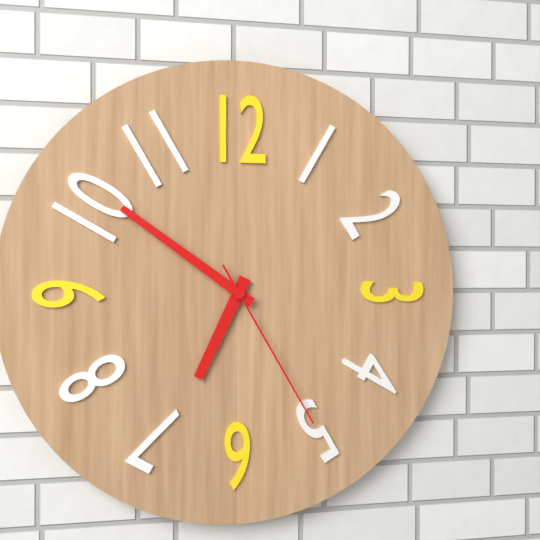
6 h 51 min 25 s
